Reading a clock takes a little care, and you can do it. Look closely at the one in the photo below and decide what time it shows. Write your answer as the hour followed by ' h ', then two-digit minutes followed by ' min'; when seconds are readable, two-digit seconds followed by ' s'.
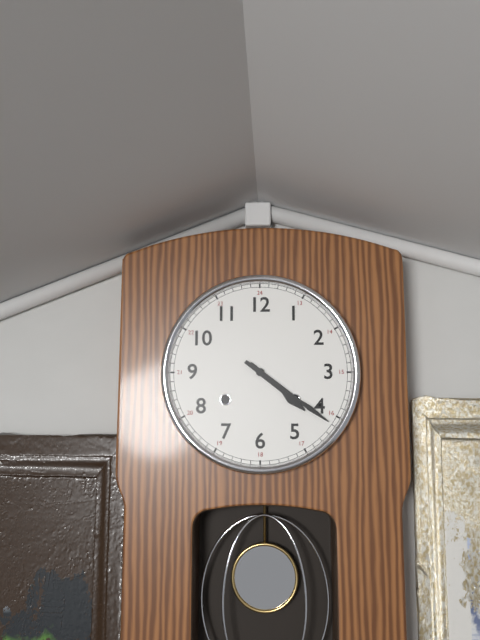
4 h 21 min
